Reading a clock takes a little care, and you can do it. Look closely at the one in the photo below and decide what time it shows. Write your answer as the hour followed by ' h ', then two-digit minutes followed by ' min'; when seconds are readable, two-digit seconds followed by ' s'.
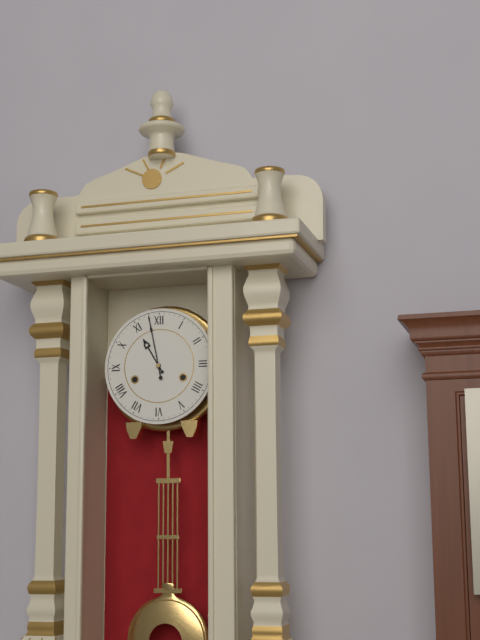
10 h 58 min
